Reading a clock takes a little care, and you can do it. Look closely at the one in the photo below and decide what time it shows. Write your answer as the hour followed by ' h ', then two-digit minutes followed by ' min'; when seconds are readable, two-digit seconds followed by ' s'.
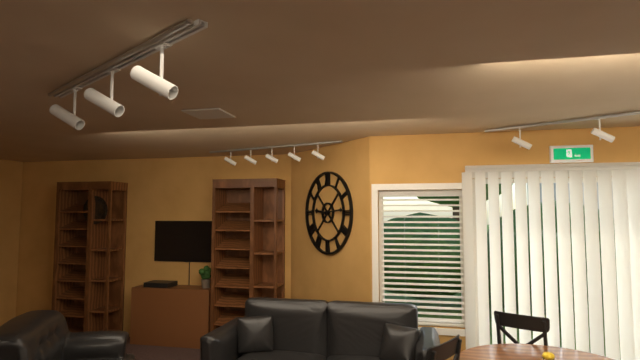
9 h 14 min
